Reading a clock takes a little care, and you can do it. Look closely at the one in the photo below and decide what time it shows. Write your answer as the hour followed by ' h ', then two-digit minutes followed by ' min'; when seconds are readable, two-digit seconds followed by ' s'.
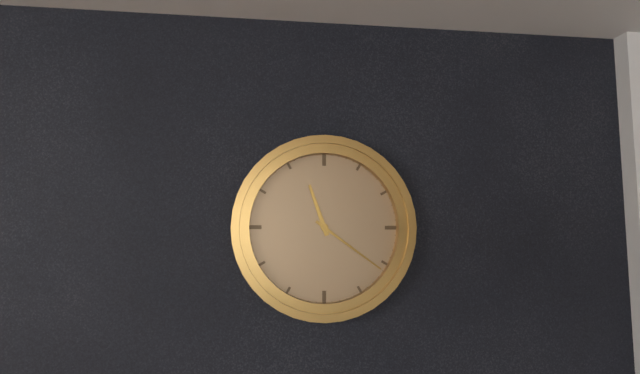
11 h 21 min
